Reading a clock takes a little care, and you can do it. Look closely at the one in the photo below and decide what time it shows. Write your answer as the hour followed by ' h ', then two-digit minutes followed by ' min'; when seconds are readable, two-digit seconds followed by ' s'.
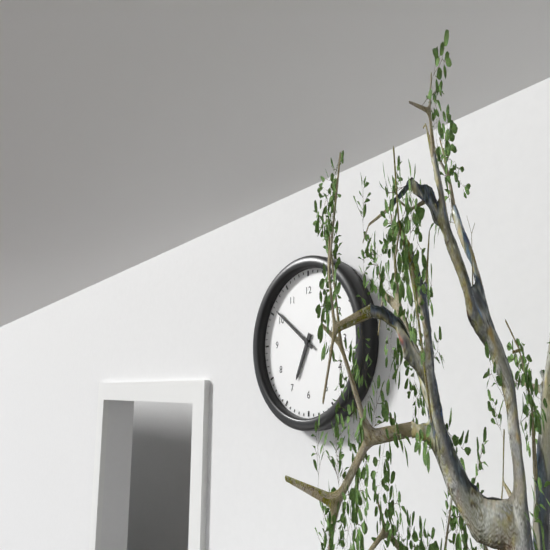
6 h 51 min
